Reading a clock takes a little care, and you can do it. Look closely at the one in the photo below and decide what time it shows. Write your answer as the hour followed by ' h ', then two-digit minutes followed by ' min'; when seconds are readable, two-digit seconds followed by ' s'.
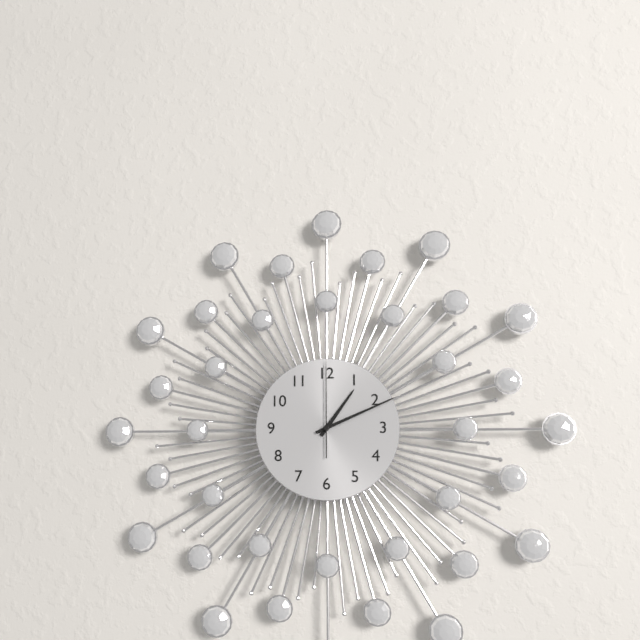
1 h 11 min 00 s
